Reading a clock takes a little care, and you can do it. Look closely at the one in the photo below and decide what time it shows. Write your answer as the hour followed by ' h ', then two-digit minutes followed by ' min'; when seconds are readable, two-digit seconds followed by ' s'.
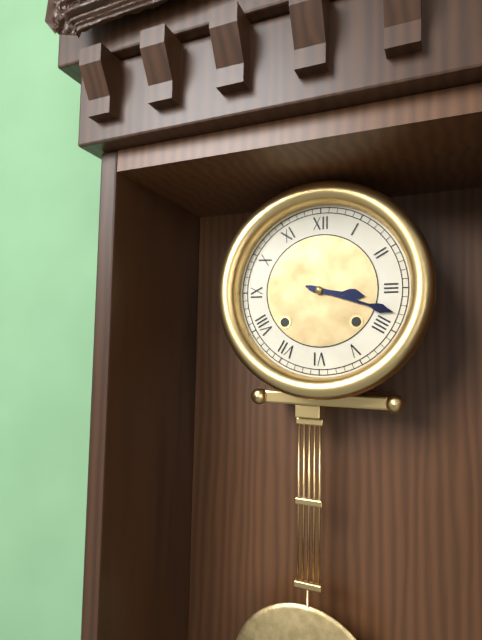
3 h 18 min
